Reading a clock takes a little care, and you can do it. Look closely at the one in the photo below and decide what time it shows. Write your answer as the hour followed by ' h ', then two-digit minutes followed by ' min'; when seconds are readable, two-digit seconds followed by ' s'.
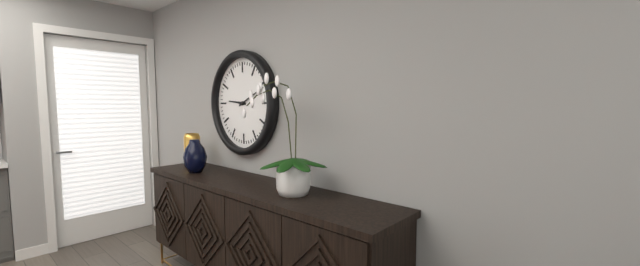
9 h 11 min
